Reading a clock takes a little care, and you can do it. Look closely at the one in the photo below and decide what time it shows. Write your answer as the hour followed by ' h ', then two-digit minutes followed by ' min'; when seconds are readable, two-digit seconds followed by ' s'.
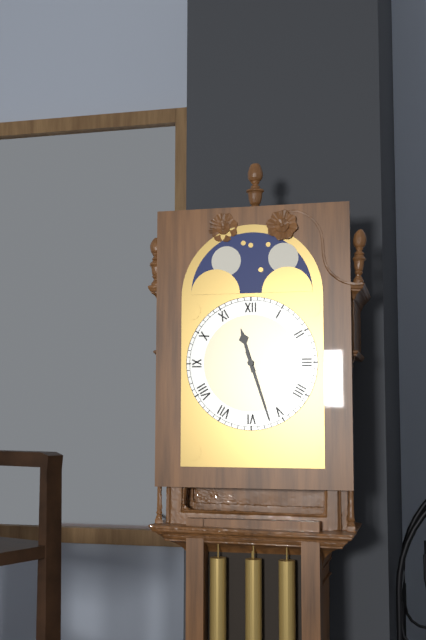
11 h 27 min
